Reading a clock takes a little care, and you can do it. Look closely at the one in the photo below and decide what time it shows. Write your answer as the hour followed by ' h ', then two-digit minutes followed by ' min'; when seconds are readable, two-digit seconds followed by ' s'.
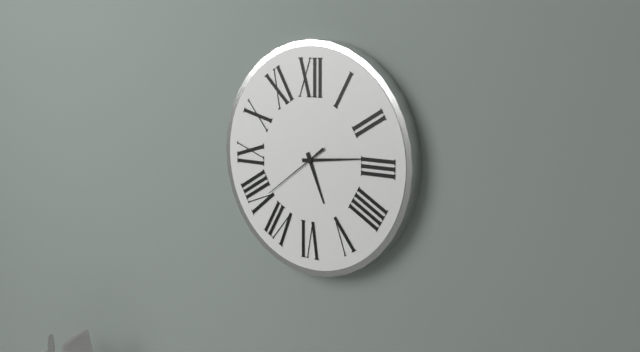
5 h 14 min 39 s
